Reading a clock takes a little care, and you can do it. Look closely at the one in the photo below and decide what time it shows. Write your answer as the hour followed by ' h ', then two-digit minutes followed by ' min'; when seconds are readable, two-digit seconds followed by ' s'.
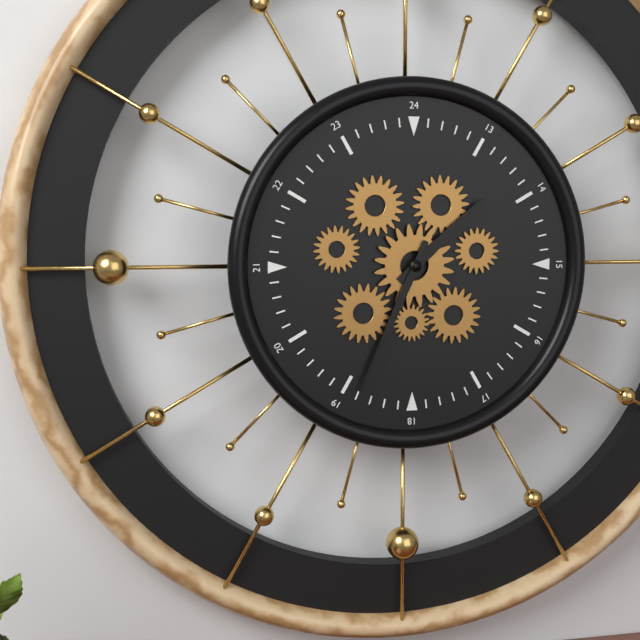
1 h 34 min
